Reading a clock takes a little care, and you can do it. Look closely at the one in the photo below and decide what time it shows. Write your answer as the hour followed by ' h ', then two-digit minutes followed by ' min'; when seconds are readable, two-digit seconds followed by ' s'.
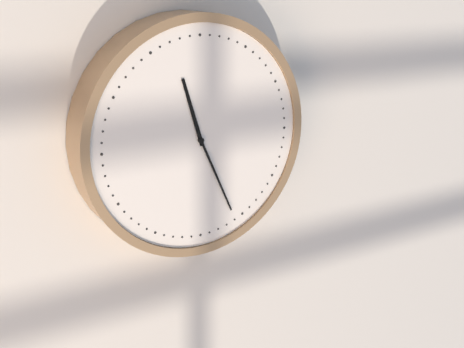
11 h 26 min
